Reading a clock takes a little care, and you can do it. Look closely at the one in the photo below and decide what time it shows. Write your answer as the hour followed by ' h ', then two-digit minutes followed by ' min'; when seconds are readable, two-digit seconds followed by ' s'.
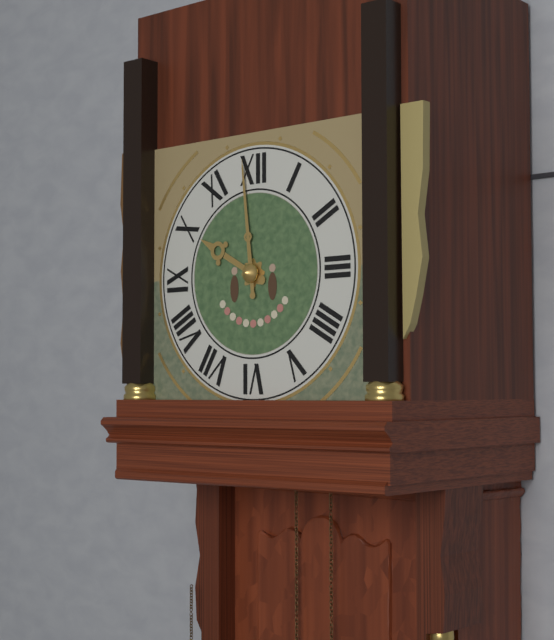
9 h 59 min
